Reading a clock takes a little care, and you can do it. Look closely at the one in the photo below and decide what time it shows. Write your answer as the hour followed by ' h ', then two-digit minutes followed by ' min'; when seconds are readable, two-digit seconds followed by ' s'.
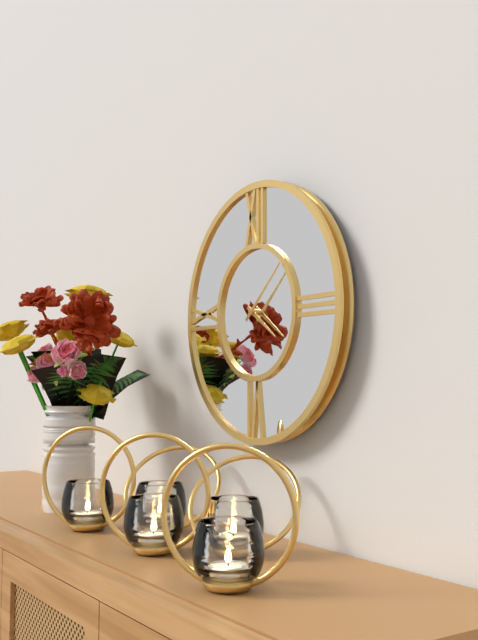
4 h 08 min
